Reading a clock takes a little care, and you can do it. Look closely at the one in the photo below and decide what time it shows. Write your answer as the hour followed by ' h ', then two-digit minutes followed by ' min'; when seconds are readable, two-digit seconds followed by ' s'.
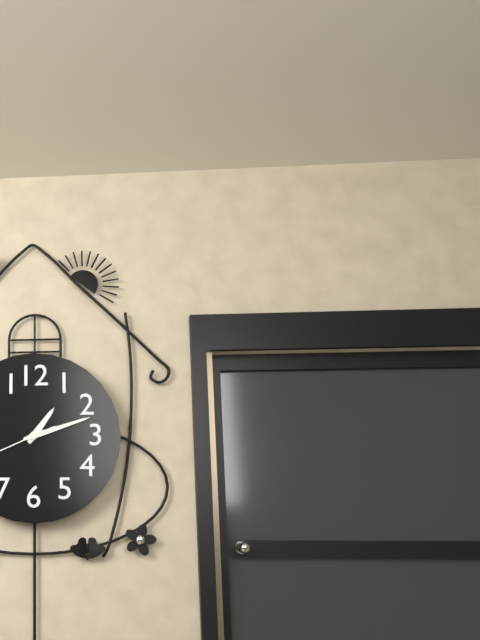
1 h 12 min
